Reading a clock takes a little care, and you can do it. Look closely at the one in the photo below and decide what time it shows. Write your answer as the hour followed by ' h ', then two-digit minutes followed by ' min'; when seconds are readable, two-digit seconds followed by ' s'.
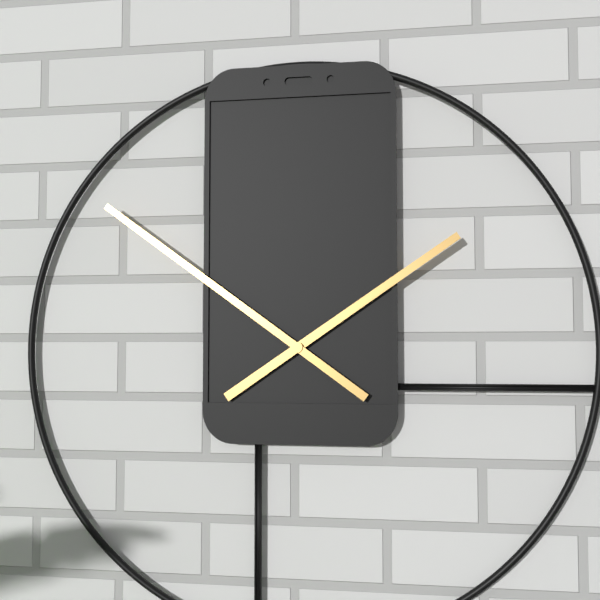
1 h 51 min
